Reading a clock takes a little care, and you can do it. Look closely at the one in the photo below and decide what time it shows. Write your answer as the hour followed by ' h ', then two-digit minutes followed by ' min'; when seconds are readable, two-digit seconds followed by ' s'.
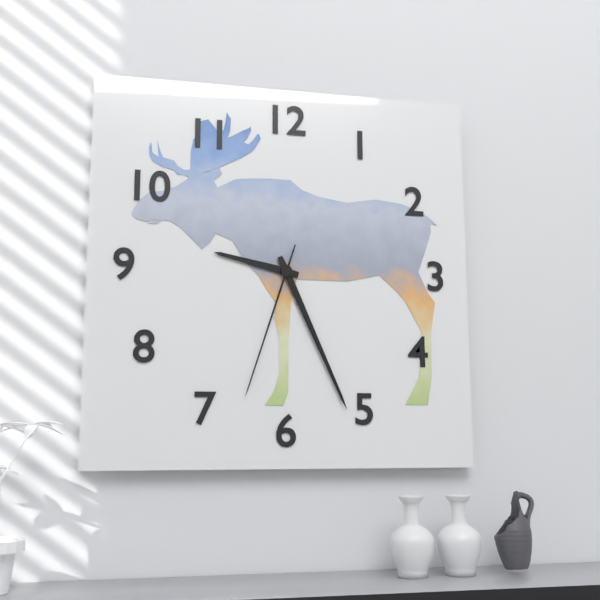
9 h 26 min 33 s
